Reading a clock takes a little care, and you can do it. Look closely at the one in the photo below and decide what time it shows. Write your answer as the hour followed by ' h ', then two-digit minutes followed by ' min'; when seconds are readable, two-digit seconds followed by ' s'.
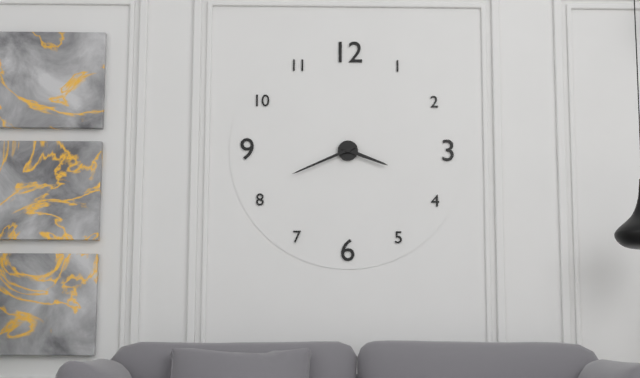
3 h 41 min
